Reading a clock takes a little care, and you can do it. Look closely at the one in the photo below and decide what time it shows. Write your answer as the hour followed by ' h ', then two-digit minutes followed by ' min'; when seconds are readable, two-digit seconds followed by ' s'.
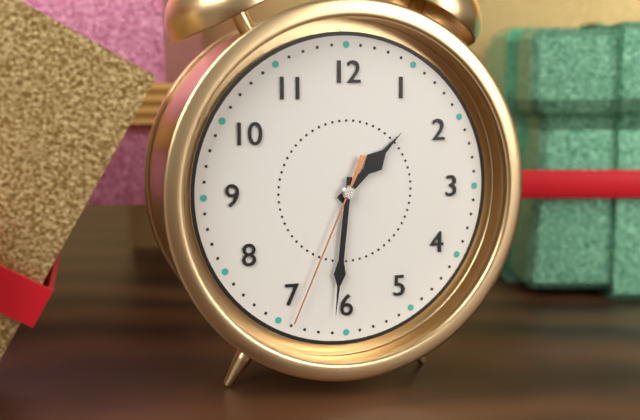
1 h 31 min 34 s
